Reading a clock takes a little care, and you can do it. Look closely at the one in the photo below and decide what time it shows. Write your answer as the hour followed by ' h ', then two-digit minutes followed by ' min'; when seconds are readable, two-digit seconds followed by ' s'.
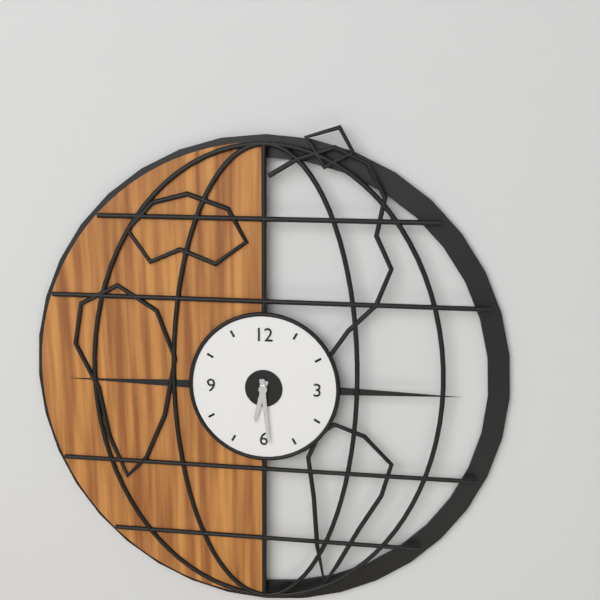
6 h 29 min
